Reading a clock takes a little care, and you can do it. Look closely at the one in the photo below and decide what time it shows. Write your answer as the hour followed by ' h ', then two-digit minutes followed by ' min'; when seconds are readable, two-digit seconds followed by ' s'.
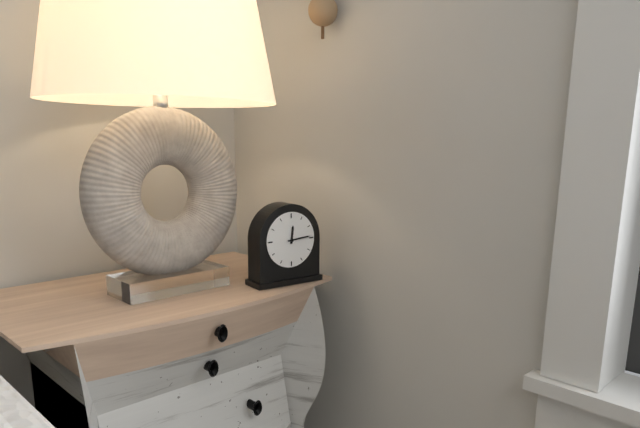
12 h 14 min
